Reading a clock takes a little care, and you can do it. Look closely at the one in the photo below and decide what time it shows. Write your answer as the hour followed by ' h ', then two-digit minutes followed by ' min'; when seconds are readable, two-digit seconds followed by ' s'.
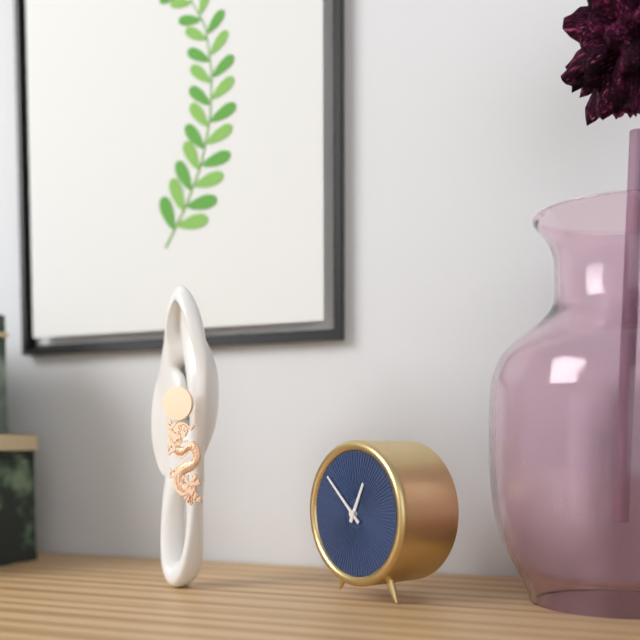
12 h 52 min
